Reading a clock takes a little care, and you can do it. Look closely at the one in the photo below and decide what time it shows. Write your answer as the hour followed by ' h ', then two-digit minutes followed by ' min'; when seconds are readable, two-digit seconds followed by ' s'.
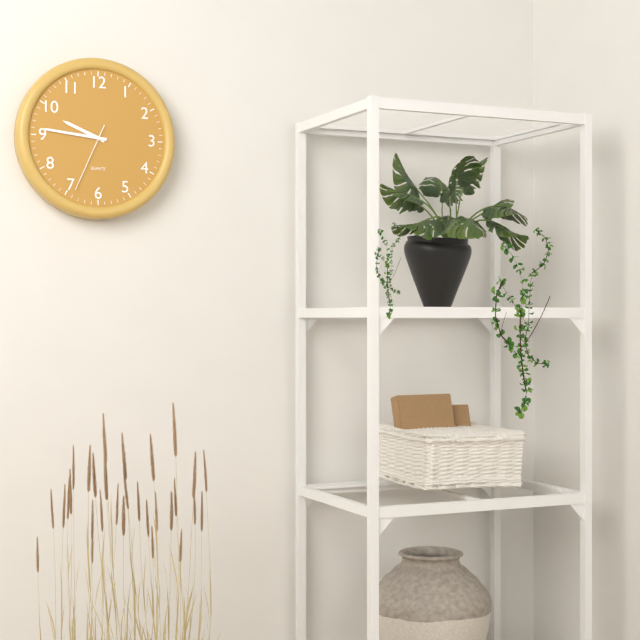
9 h 46 min 34 s
